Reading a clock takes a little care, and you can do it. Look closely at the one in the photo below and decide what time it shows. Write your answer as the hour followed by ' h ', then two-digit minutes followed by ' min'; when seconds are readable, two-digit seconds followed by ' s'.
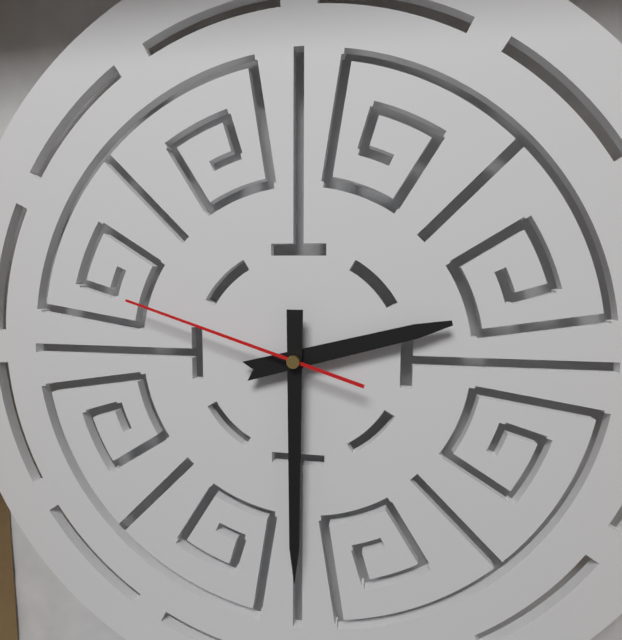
2 h 30 min 48 s
